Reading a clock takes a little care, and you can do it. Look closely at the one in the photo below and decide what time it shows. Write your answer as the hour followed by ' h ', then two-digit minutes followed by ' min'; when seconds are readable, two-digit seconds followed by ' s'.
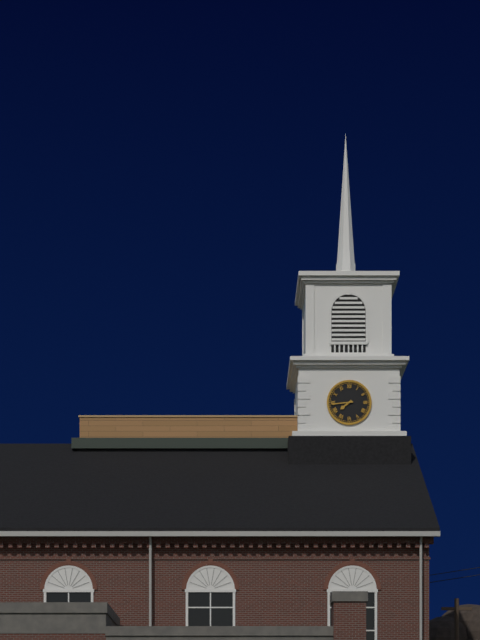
7 h 44 min
